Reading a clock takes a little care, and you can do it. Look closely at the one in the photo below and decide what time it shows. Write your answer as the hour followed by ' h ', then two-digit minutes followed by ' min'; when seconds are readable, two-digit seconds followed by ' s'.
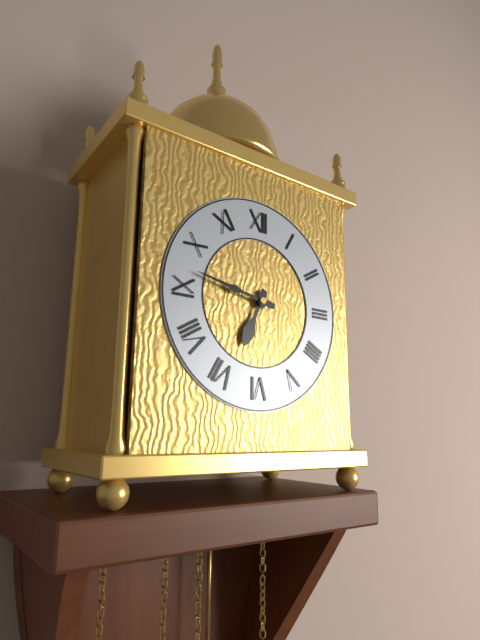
6 h 47 min
